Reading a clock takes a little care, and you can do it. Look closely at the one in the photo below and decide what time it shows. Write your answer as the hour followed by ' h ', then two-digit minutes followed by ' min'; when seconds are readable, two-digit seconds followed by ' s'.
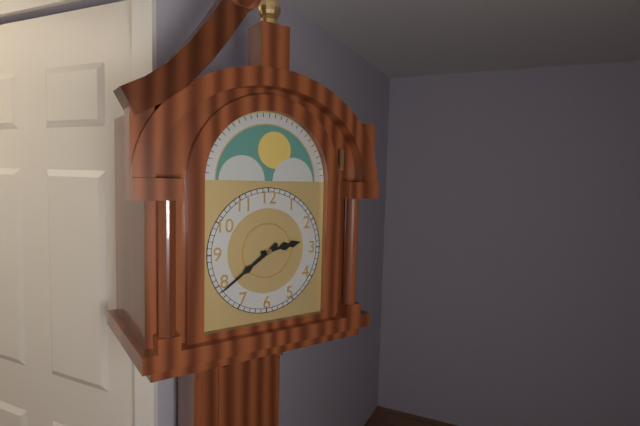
2 h 39 min
